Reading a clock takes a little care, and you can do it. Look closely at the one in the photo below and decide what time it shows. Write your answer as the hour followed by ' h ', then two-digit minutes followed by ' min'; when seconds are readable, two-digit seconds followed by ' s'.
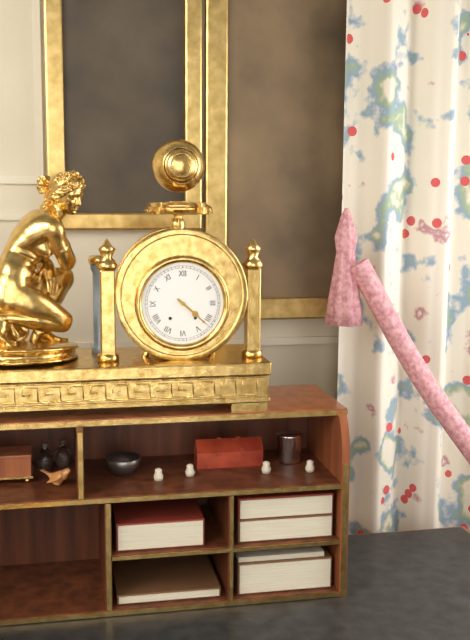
4 h 22 min
